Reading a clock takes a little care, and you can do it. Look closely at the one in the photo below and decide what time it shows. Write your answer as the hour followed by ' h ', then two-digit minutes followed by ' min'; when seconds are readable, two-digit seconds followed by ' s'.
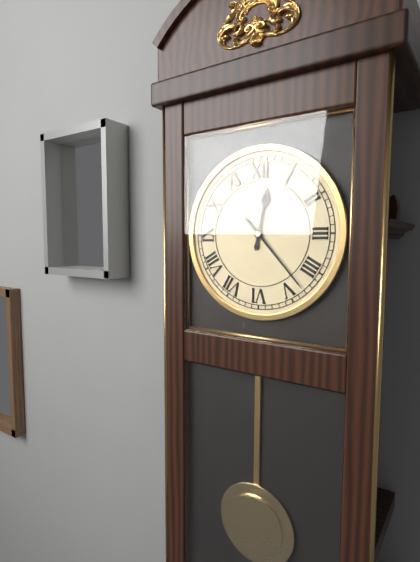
12 h 23 min
